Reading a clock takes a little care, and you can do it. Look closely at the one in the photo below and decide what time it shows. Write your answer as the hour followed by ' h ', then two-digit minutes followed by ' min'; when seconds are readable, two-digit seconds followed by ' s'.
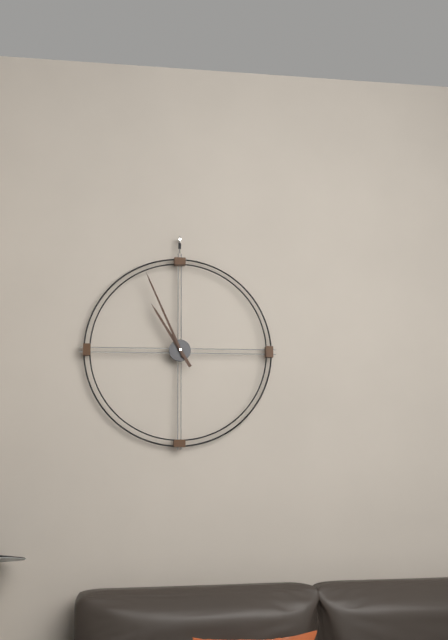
10 h 56 min
